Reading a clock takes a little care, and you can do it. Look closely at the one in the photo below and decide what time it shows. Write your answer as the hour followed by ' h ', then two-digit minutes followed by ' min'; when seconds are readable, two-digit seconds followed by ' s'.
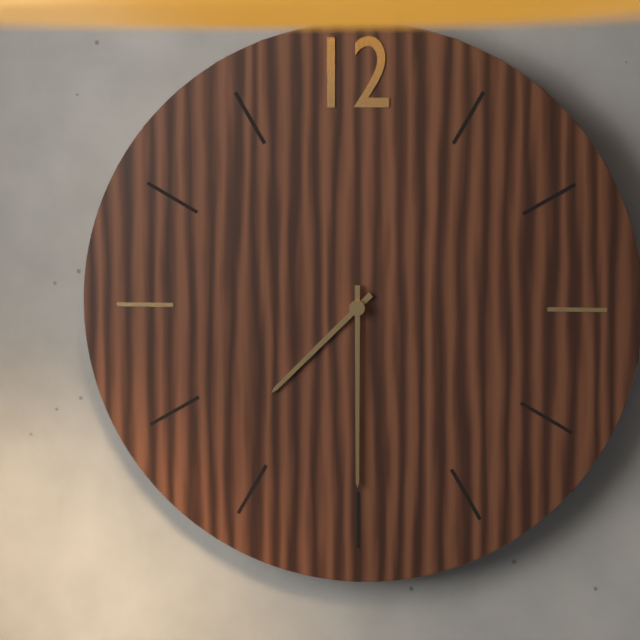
7 h 30 min
